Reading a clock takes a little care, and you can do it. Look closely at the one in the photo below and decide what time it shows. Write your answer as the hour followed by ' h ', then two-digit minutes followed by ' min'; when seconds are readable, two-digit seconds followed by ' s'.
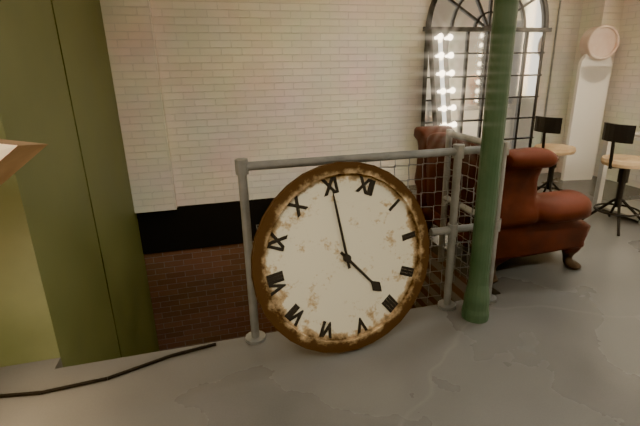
3 h 55 min
